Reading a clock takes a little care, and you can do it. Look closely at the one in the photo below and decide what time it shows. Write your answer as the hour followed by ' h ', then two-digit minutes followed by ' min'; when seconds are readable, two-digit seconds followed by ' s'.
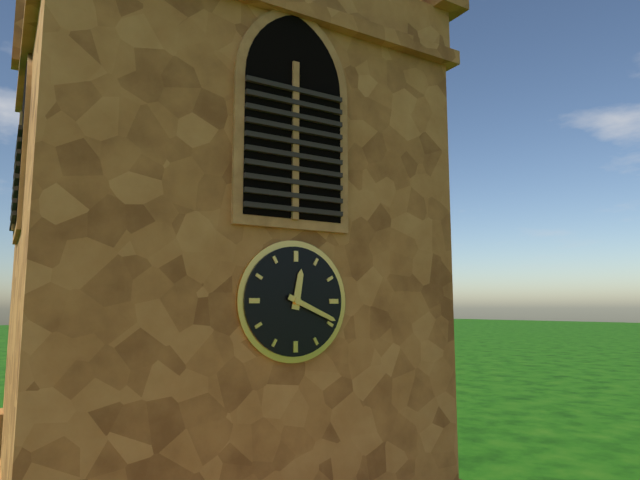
12 h 19 min
